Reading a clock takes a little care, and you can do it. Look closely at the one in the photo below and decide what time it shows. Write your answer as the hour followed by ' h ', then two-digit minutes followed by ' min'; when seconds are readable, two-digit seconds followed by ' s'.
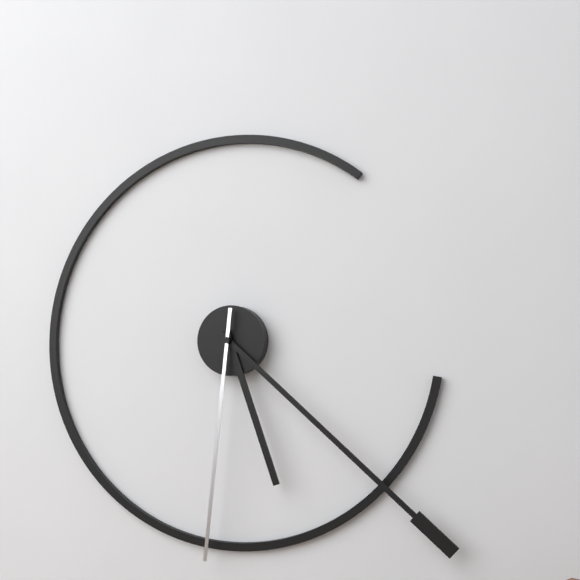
5 h 22 min 31 s
